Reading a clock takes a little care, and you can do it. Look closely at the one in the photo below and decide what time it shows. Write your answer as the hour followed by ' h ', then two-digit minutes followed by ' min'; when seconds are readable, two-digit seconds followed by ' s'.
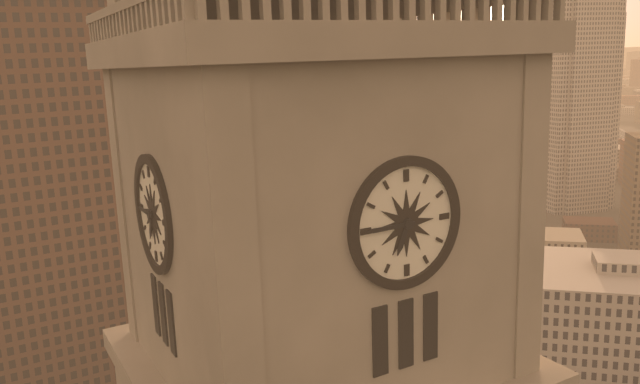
6 h 45 min
